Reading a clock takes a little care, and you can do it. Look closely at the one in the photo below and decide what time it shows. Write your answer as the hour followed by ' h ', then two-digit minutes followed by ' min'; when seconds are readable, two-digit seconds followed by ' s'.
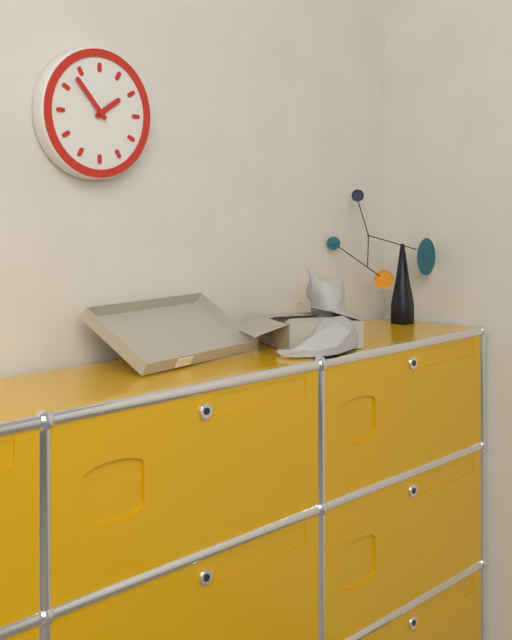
1 h 53 min
